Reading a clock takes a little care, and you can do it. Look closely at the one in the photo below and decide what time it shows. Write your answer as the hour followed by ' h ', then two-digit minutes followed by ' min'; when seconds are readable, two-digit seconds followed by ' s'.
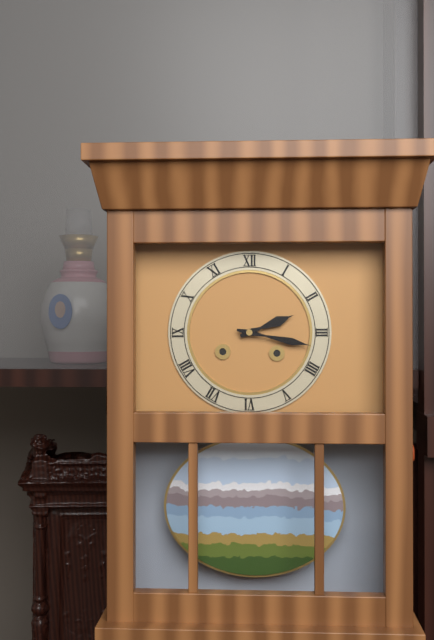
2 h 17 min
